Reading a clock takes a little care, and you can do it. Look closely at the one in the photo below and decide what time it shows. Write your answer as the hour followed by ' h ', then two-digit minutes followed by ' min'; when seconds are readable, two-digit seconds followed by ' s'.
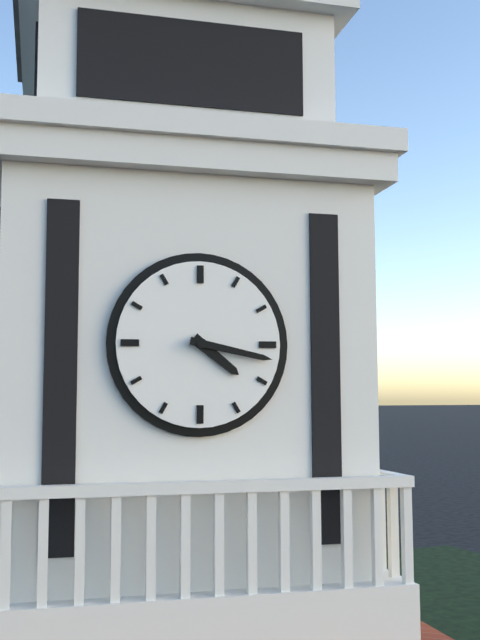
4 h 17 min
